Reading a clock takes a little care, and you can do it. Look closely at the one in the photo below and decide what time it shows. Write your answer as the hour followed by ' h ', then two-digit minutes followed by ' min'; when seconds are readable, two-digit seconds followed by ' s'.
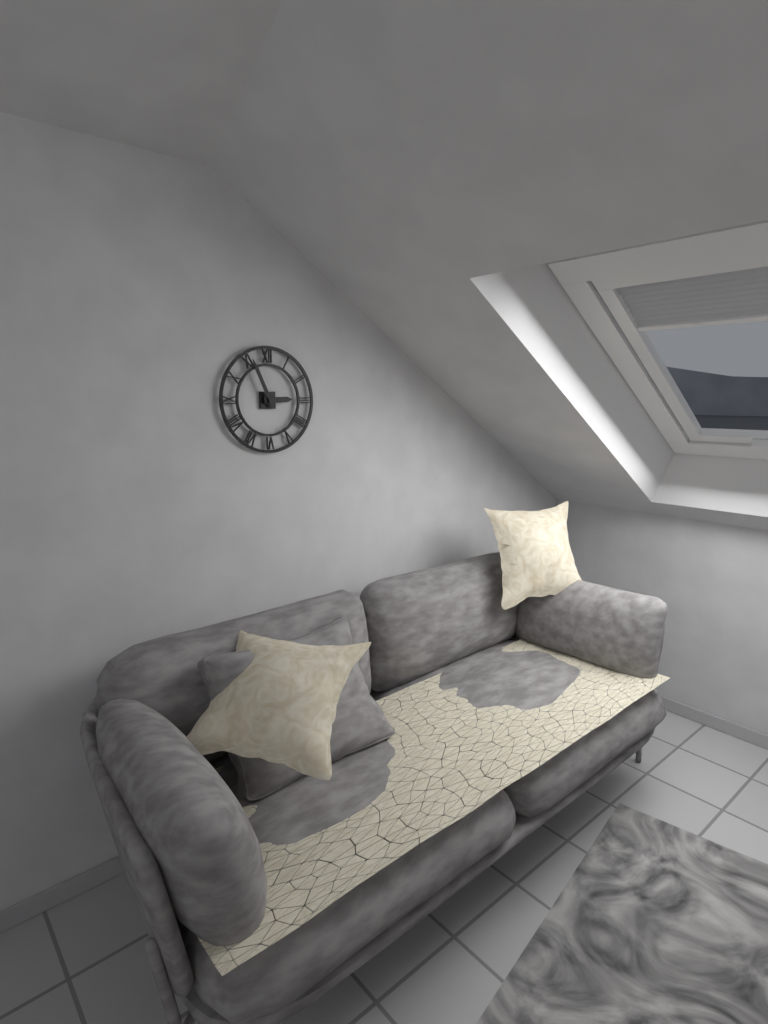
2 h 56 min
